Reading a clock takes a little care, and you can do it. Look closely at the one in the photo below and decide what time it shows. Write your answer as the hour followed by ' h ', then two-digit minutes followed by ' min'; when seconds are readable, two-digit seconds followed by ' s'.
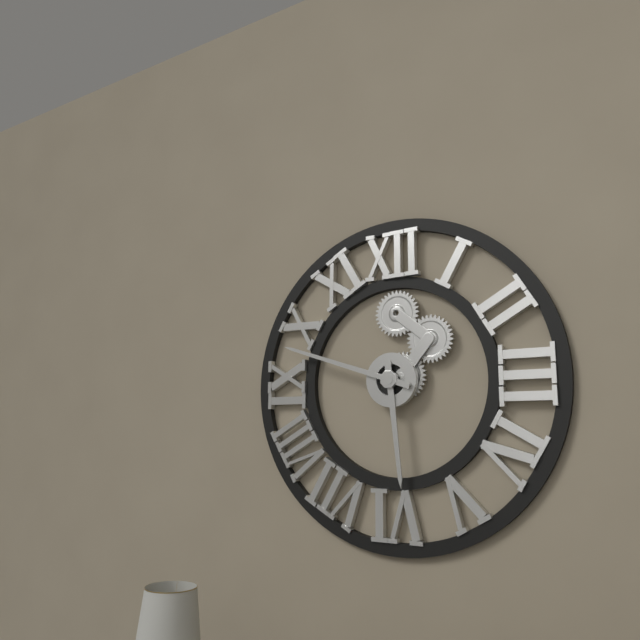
5 h 48 min
